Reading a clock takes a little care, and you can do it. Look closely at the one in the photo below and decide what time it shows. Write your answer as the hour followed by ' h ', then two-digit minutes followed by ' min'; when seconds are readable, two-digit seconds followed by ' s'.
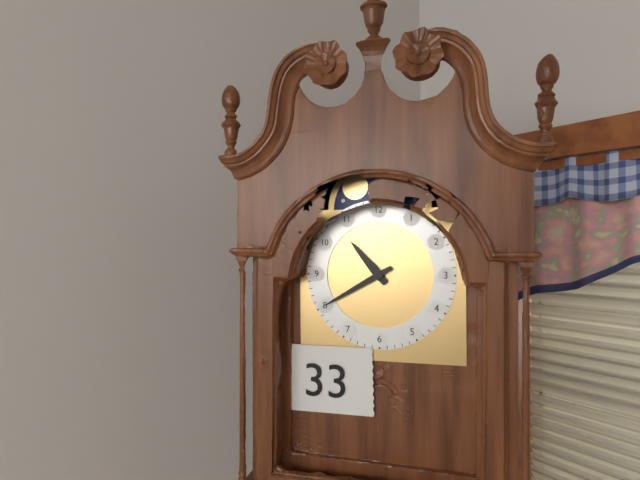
10 h 40 min
